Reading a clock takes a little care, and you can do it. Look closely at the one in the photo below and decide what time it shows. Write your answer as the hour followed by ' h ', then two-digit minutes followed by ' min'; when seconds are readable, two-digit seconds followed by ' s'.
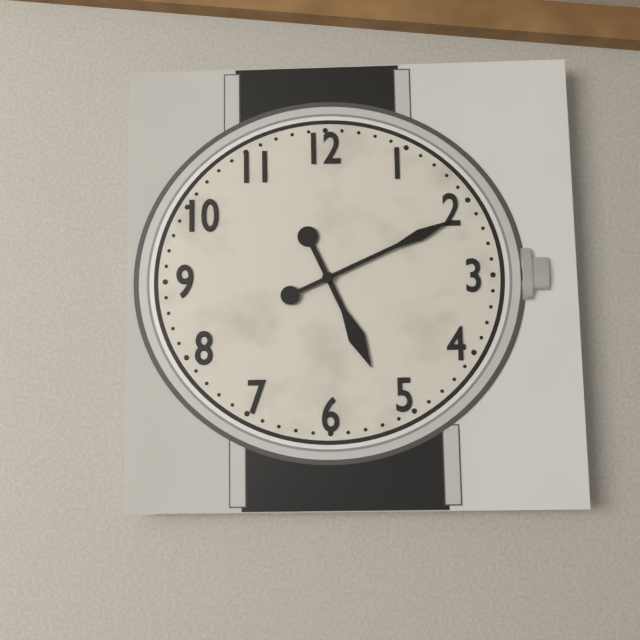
5 h 11 min
